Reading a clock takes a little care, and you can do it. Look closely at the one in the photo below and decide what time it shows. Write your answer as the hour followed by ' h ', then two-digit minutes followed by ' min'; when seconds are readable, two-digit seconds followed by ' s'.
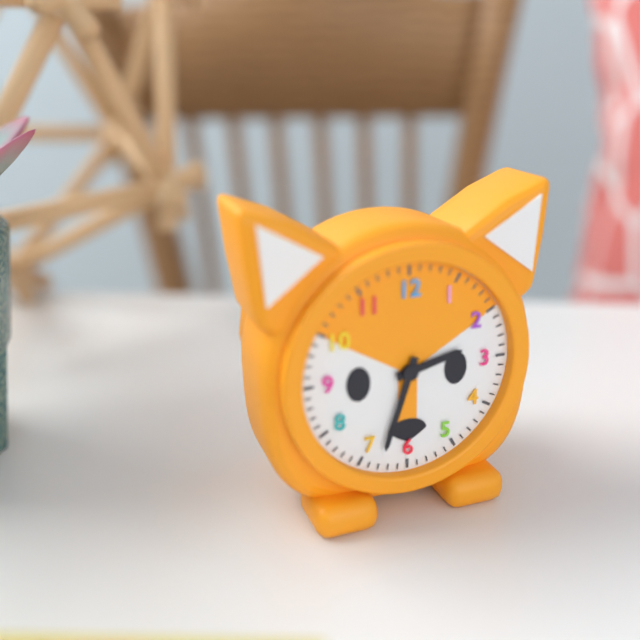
2 h 33 min
